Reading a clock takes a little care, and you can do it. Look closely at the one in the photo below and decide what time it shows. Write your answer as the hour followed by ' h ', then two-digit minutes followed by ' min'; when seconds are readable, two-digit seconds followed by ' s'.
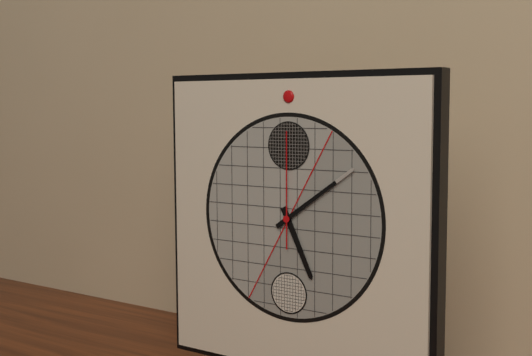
5 h 09 min 00 s
